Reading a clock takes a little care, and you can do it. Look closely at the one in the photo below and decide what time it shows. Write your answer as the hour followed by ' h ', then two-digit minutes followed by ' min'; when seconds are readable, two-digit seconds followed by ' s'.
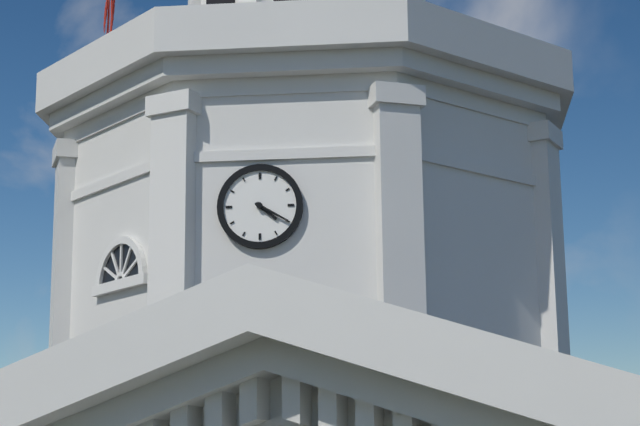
4 h 20 min
